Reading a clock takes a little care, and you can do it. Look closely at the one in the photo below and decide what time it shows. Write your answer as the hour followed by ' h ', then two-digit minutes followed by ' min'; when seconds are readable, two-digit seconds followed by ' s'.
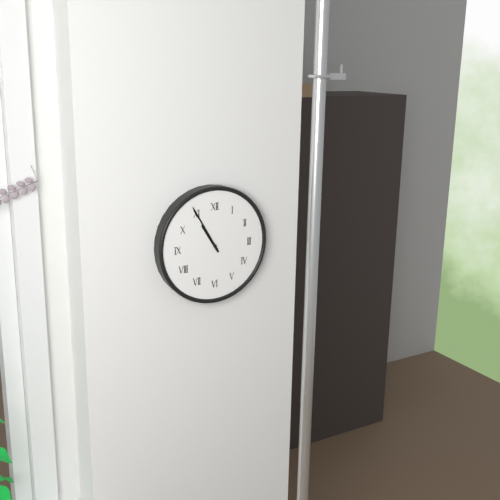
10 h 55 min
